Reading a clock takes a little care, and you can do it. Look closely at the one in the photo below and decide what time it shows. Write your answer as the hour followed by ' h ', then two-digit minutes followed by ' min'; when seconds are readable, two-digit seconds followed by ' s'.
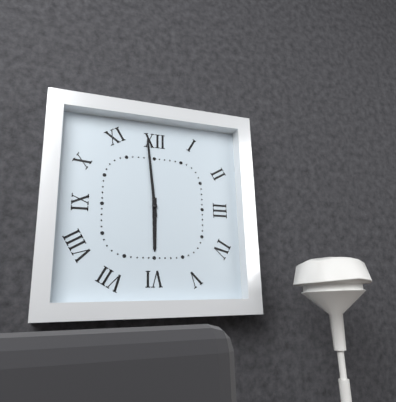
5 h 59 min
